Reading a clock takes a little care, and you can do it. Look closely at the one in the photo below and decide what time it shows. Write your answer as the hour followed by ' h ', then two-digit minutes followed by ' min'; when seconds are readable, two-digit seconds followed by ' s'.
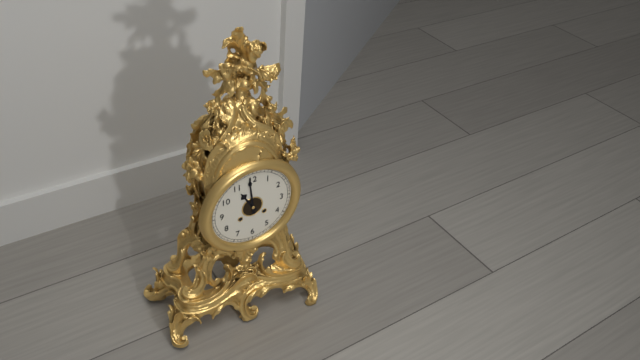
10 h 59 min
